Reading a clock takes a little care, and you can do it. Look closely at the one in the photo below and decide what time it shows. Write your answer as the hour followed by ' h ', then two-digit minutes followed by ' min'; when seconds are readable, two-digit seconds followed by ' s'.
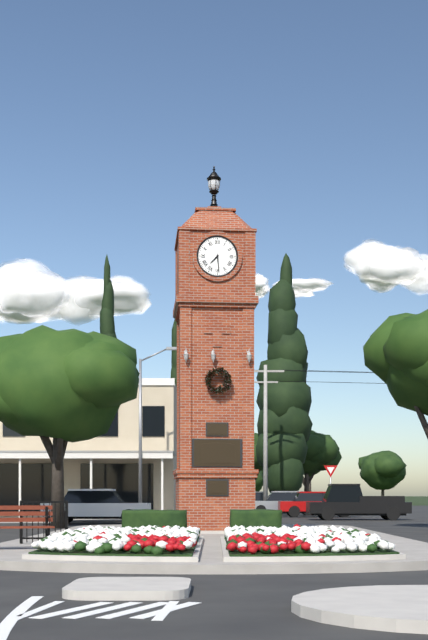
7 h 29 min
